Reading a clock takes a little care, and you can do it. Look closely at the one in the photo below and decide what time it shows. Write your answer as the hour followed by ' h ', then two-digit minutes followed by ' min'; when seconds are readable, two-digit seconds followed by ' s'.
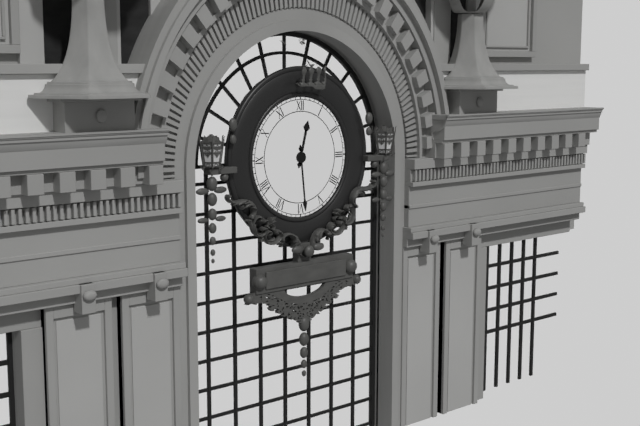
12 h 29 min
